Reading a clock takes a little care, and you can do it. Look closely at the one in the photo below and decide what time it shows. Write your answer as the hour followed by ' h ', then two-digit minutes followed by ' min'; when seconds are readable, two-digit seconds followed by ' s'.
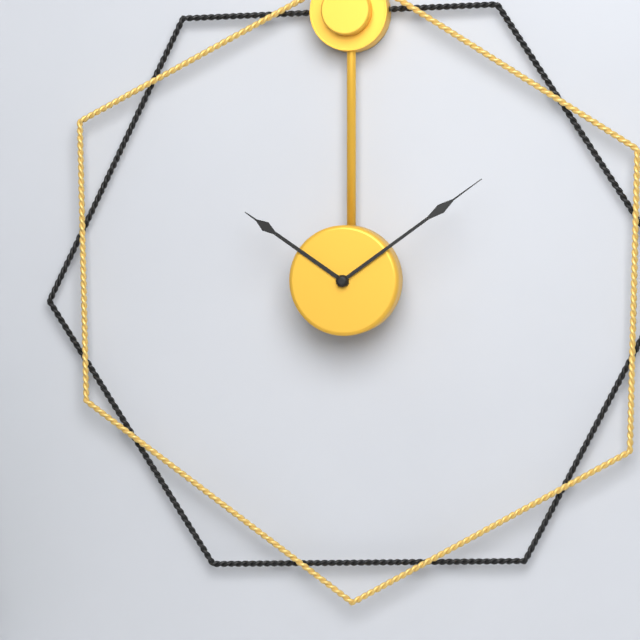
10 h 09 min
